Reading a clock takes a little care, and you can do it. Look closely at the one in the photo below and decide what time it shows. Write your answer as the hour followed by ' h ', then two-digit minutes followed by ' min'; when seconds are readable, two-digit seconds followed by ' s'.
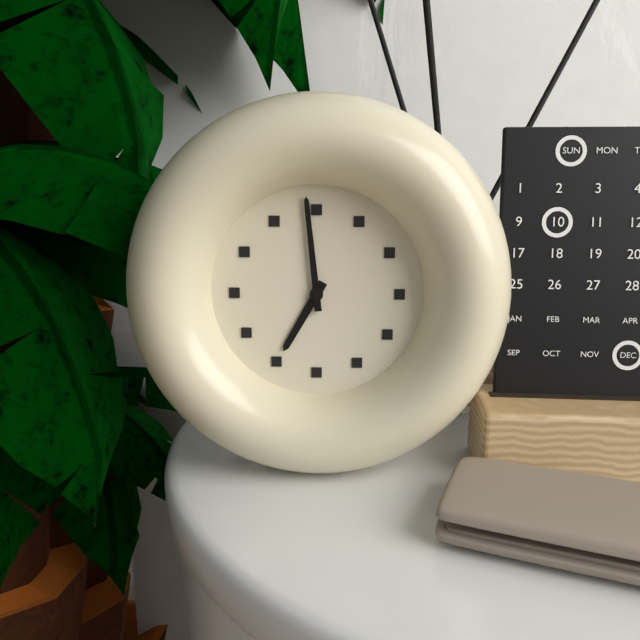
6 h 59 min
